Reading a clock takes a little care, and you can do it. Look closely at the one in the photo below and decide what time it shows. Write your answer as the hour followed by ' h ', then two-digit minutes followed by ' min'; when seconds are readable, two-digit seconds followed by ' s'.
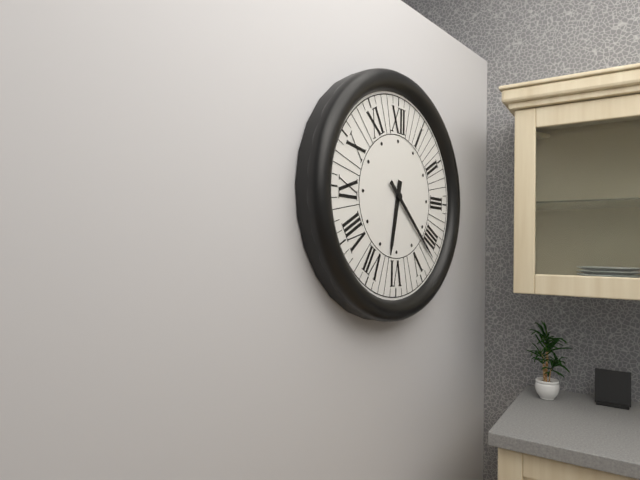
6 h 22 min
